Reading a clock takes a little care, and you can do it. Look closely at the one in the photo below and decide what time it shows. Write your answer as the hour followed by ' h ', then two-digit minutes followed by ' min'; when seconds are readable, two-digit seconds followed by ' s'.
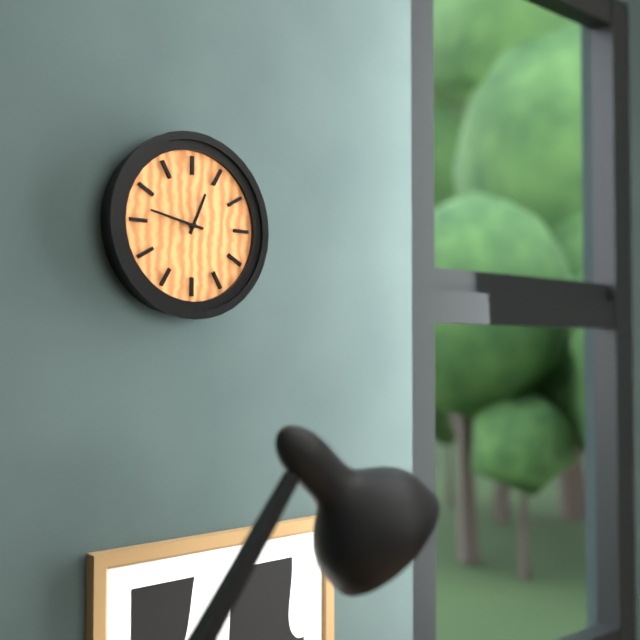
12 h 47 min
